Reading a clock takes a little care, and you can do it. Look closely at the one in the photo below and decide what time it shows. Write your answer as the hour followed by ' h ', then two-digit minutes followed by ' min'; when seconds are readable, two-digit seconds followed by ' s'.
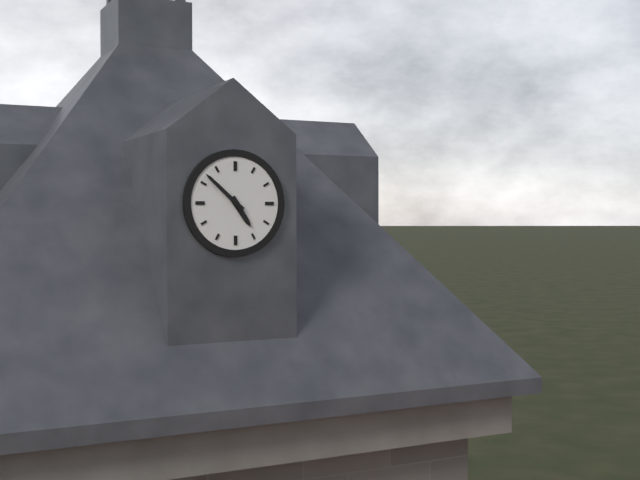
4 h 52 min
